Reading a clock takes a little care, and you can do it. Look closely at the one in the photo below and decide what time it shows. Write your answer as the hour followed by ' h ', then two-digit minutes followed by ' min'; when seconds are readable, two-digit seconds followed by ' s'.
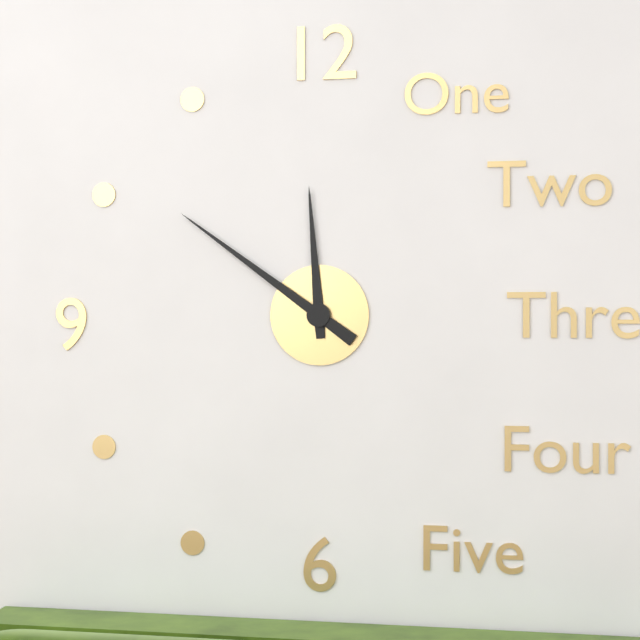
11 h 51 min
